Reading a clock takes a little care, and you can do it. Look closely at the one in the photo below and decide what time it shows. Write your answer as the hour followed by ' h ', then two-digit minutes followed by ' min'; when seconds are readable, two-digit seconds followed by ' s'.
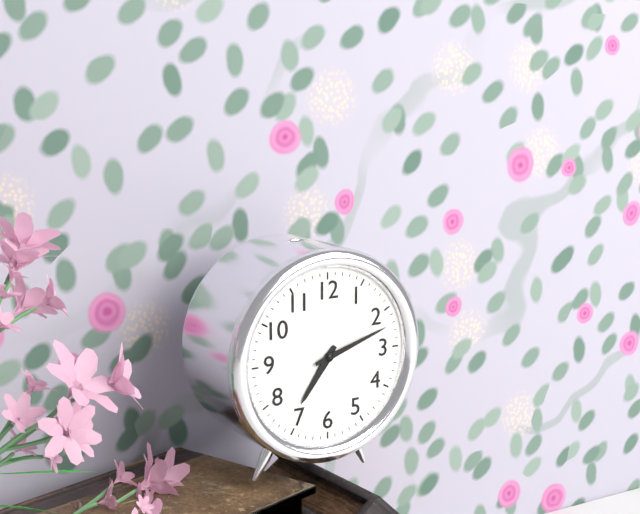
7 h 12 min
